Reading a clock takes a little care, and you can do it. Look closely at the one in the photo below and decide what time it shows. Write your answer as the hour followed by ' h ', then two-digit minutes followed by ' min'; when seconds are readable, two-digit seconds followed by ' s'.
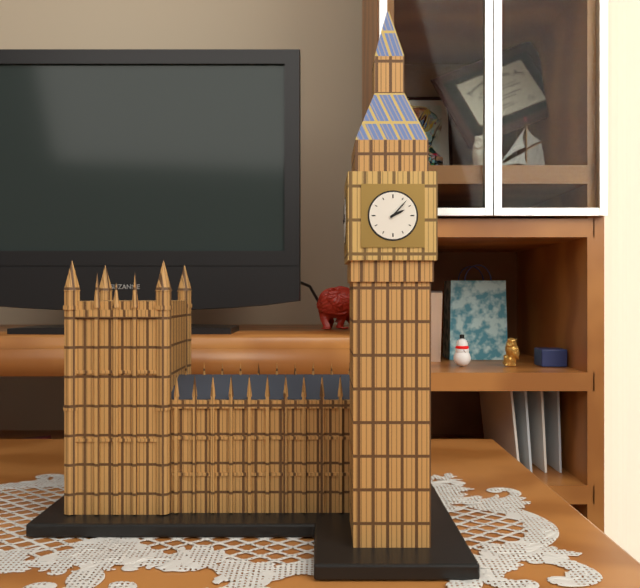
2 h 07 min
